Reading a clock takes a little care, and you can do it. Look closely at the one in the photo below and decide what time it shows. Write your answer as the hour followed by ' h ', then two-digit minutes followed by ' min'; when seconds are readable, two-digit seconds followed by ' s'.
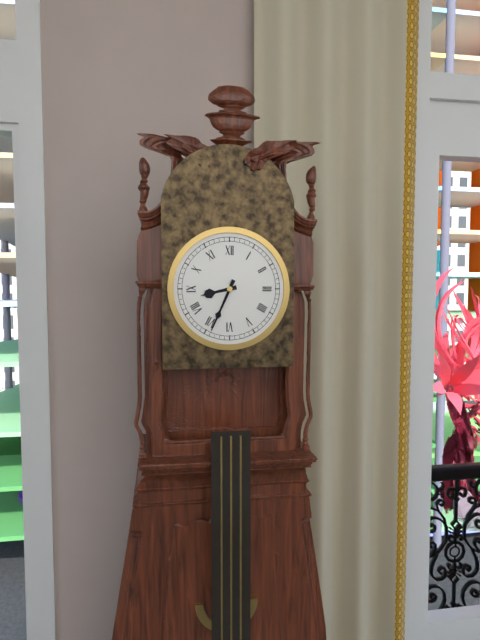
8 h 34 min
